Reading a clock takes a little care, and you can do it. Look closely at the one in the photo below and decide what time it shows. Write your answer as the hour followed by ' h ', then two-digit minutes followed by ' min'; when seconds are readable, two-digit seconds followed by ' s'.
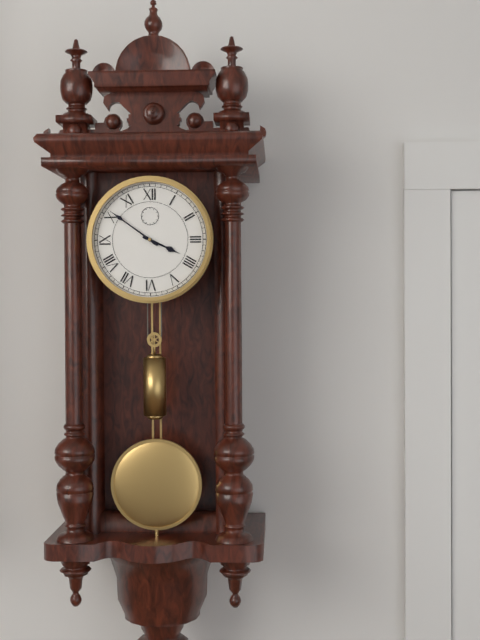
3 h 51 min
